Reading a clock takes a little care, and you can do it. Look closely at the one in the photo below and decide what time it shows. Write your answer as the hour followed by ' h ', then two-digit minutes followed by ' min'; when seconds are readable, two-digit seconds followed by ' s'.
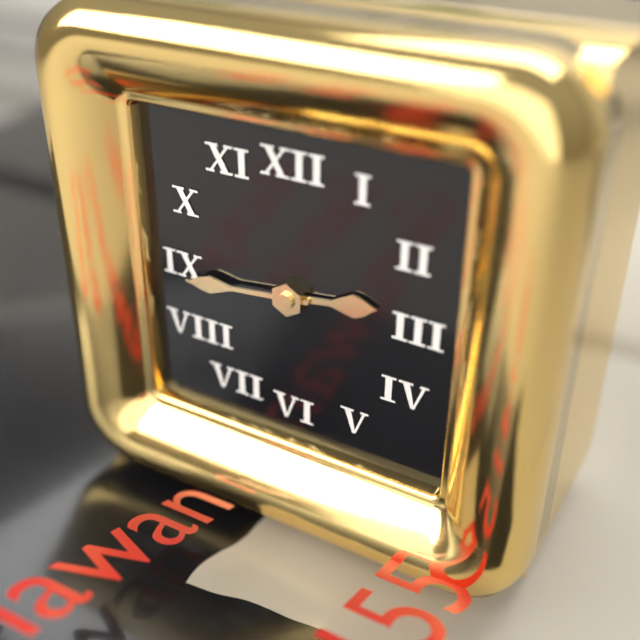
2 h 44 min
